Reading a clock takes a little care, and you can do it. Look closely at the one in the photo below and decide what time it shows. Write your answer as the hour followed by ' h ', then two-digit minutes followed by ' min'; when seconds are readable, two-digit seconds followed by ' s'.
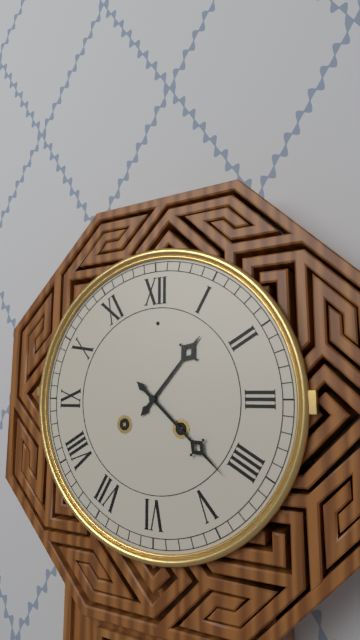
1 h 22 min
